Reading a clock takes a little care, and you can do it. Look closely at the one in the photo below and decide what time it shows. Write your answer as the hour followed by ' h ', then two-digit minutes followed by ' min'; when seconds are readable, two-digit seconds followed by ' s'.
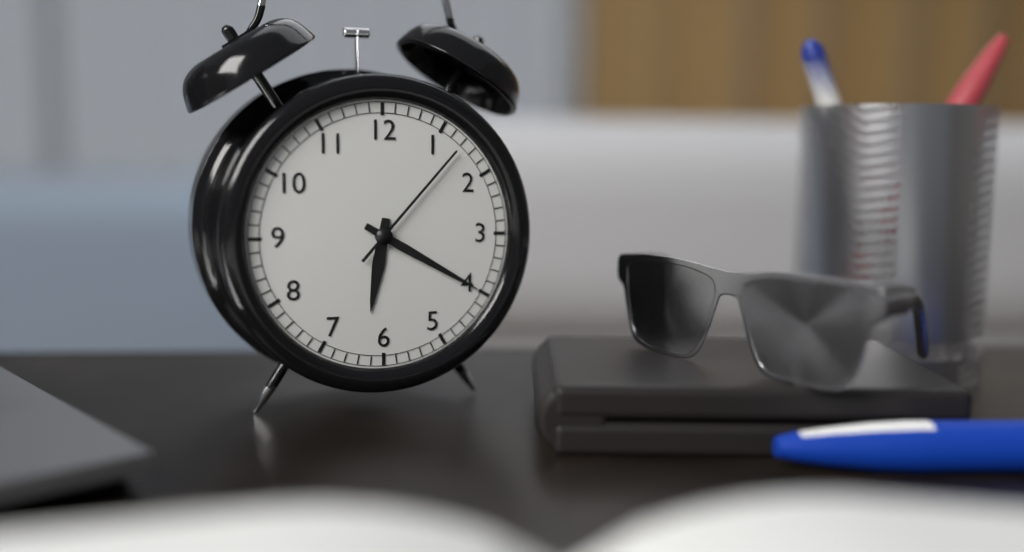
6 h 20 min 07 s
